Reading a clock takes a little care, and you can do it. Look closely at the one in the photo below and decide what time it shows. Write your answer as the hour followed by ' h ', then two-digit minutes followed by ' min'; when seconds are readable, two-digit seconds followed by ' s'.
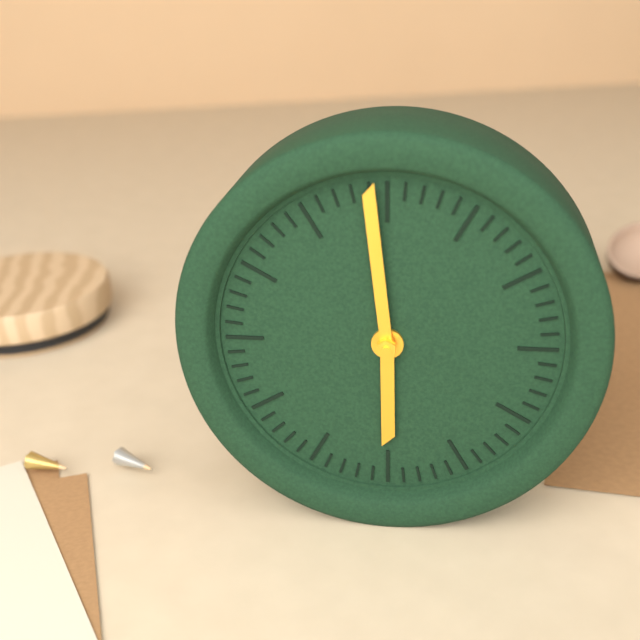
5 h 59 min
